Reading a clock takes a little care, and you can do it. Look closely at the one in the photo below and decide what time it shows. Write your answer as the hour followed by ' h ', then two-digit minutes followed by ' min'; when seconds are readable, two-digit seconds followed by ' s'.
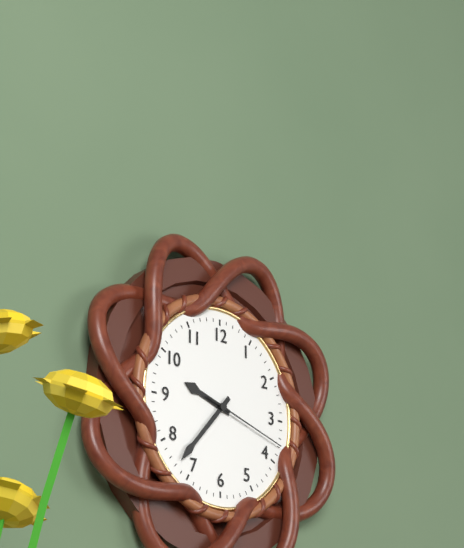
9 h 37 min 18 s
